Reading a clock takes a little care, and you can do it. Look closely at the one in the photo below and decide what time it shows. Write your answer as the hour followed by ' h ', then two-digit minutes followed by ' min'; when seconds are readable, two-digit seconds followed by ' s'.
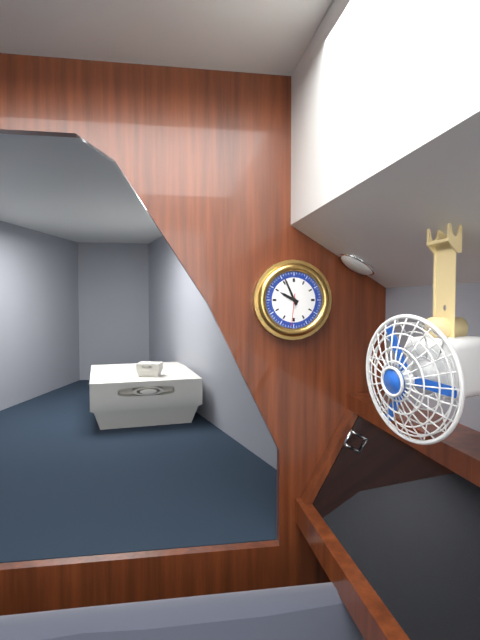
9 h 56 min
